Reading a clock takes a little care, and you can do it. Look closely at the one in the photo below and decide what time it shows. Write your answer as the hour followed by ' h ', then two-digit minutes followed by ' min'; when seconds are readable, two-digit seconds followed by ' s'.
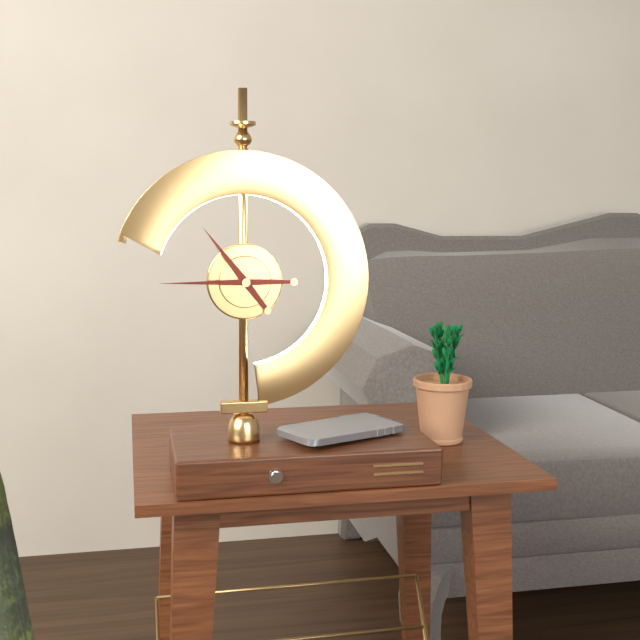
10 h 45 min
